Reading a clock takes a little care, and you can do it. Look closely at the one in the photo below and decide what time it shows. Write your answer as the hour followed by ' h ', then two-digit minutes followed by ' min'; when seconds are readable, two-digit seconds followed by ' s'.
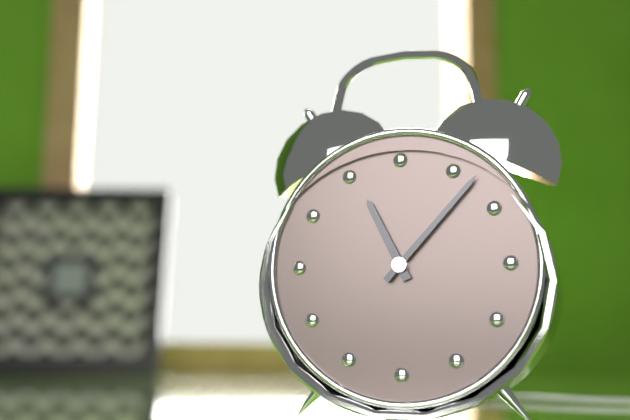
11 h 07 min
